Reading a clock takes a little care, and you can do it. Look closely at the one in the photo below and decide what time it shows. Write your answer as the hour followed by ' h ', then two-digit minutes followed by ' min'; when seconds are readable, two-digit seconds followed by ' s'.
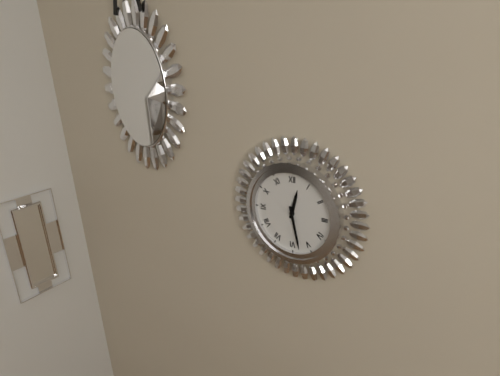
12 h 28 min
